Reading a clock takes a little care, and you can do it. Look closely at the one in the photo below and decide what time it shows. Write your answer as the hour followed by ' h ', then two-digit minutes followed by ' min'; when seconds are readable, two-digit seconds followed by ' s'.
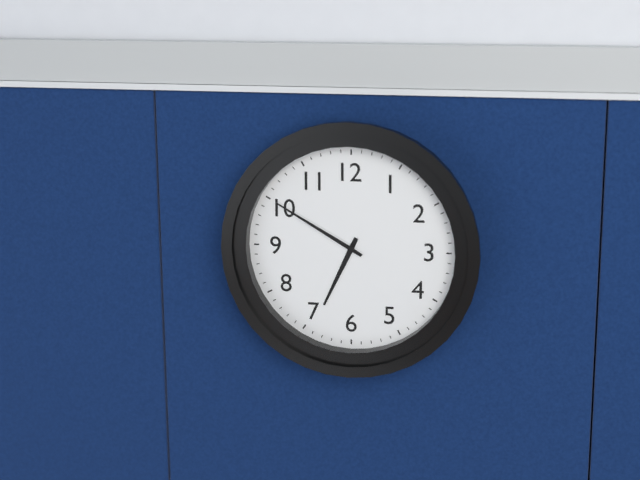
6 h 50 min
